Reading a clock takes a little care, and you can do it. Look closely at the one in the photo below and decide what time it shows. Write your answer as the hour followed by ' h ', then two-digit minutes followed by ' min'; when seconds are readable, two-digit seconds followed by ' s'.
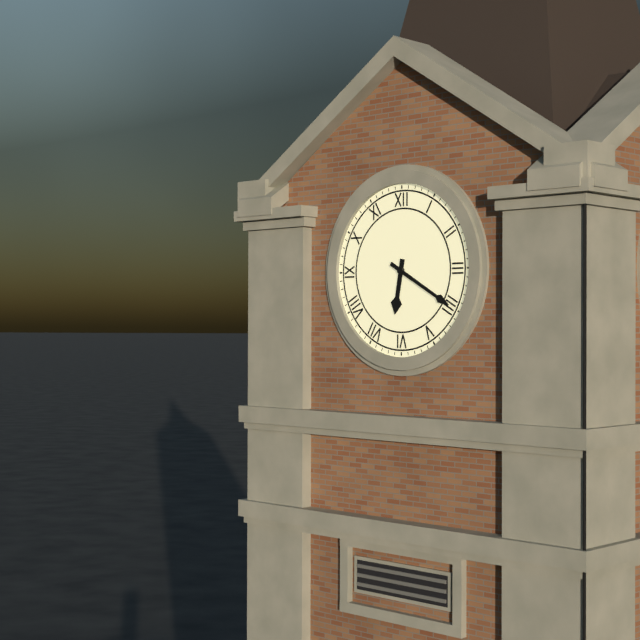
6 h 20 min
